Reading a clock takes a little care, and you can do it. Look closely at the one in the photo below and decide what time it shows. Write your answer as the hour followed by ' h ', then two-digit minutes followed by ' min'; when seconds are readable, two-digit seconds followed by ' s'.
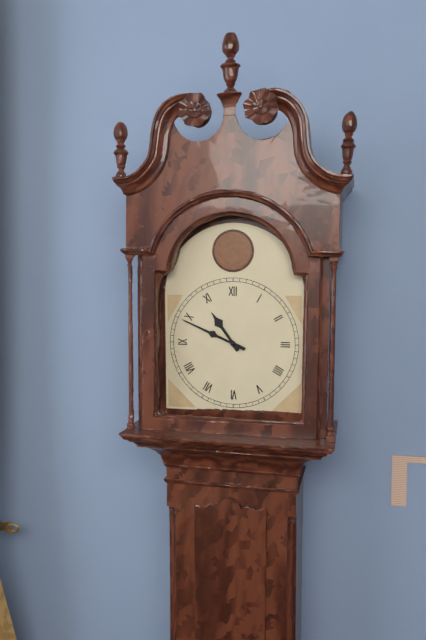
10 h 49 min
